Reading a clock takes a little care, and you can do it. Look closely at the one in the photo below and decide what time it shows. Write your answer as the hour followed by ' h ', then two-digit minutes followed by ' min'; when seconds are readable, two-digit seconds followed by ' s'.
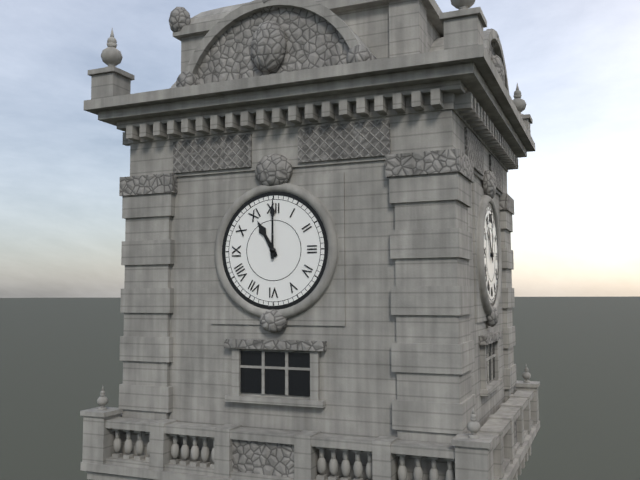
11 h 00 min
